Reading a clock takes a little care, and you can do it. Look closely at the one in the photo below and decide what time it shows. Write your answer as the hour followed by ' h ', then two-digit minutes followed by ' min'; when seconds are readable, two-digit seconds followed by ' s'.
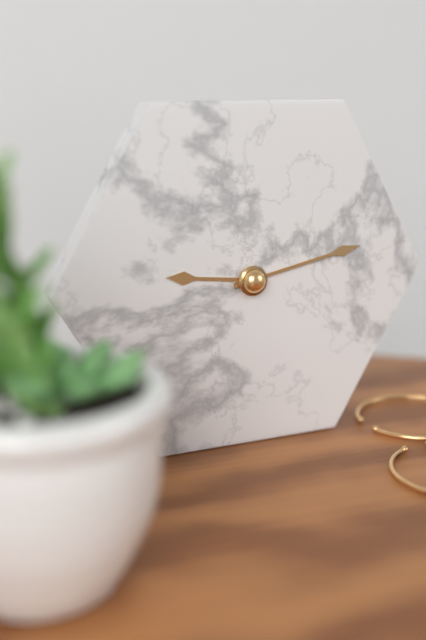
9 h 13 min
